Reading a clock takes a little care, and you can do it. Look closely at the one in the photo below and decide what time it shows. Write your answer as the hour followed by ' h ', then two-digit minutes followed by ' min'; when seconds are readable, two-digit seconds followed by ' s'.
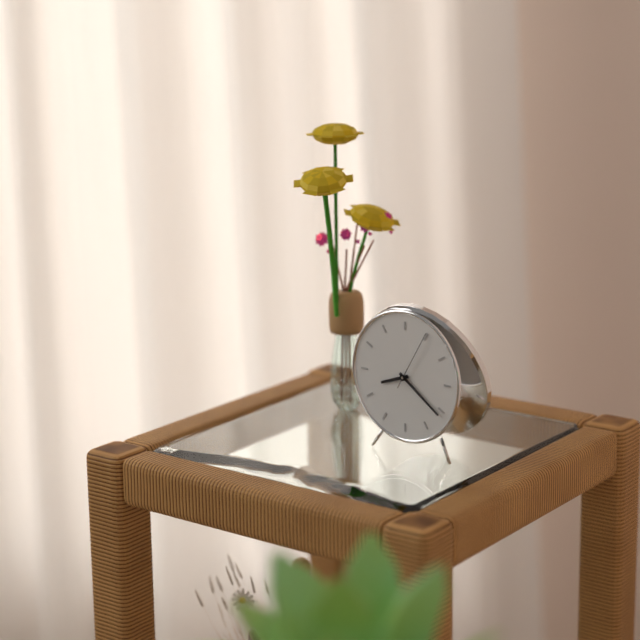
8 h 21 min 05 s
